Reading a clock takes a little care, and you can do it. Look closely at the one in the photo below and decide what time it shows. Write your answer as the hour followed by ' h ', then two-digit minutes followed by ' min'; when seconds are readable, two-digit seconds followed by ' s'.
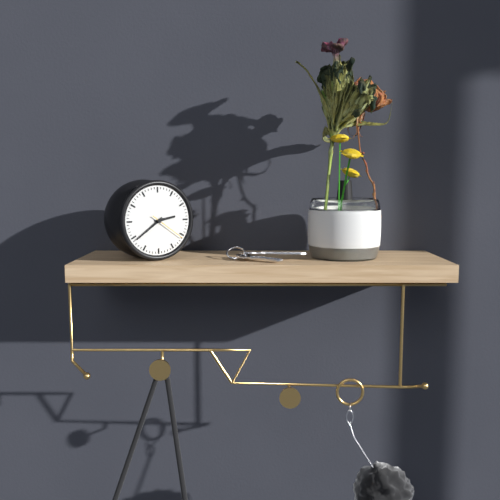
2 h 39 min
